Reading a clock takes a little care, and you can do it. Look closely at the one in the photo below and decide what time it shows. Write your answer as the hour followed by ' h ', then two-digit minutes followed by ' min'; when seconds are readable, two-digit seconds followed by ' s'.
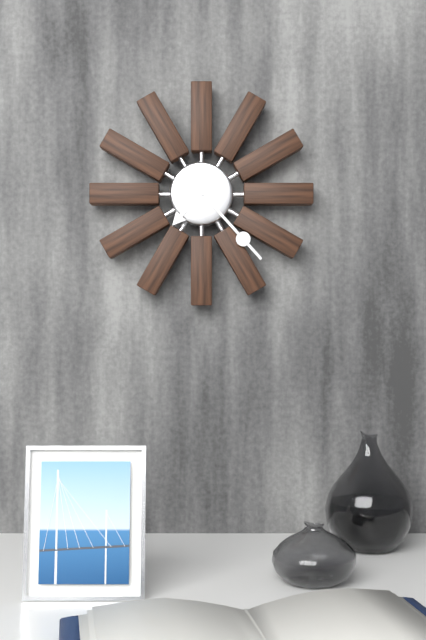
7 h 23 min
